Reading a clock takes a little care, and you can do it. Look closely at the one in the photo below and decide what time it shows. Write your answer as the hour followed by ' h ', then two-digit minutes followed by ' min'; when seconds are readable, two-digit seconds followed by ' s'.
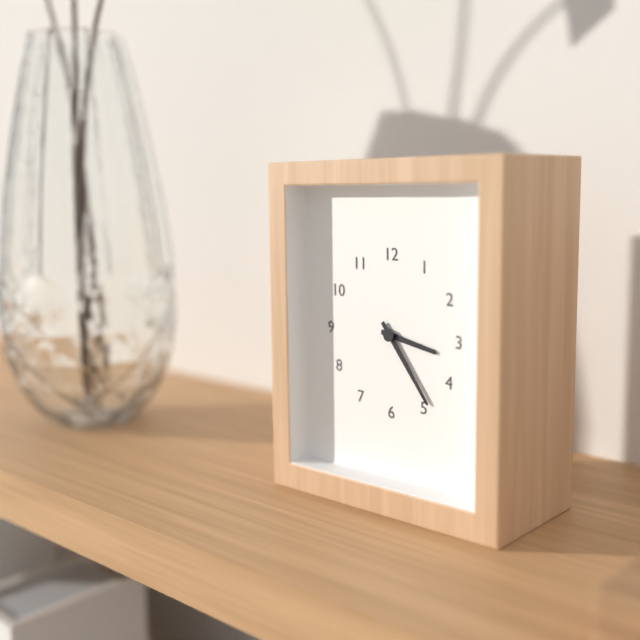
3 h 24 min
